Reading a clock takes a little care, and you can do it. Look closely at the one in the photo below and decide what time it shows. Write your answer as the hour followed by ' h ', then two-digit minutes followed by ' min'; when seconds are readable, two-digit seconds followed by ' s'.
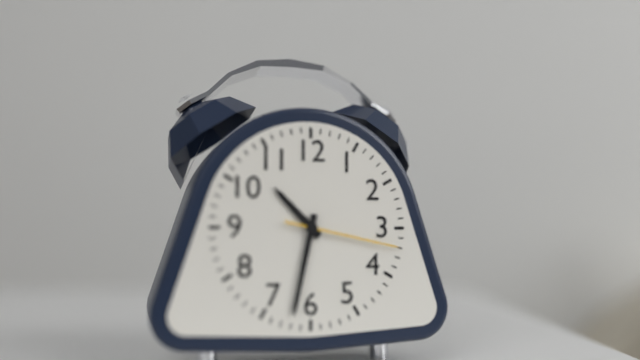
10 h 32 min 17 s
